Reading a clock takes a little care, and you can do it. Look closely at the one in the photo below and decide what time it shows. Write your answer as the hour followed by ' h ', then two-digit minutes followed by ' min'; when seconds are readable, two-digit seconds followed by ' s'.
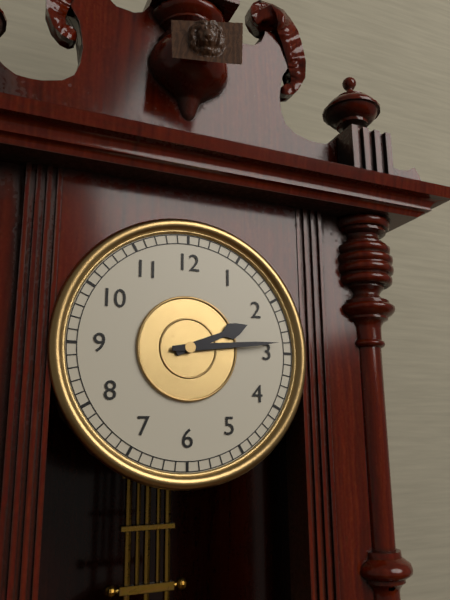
2 h 14 min
